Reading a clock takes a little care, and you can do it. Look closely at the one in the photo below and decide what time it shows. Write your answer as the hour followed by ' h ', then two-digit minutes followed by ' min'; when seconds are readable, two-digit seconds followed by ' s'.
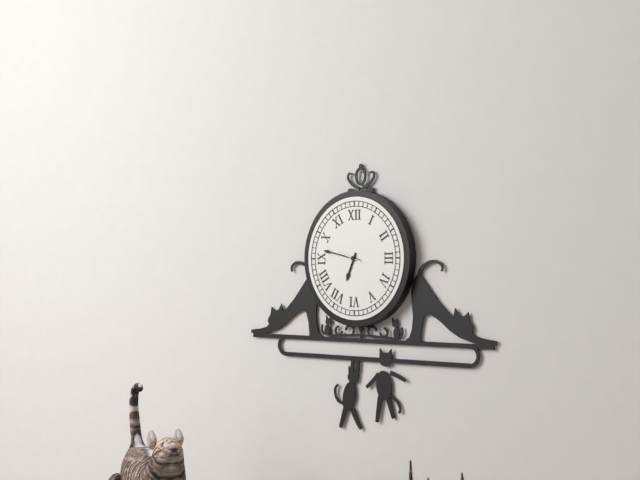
6 h 47 min
